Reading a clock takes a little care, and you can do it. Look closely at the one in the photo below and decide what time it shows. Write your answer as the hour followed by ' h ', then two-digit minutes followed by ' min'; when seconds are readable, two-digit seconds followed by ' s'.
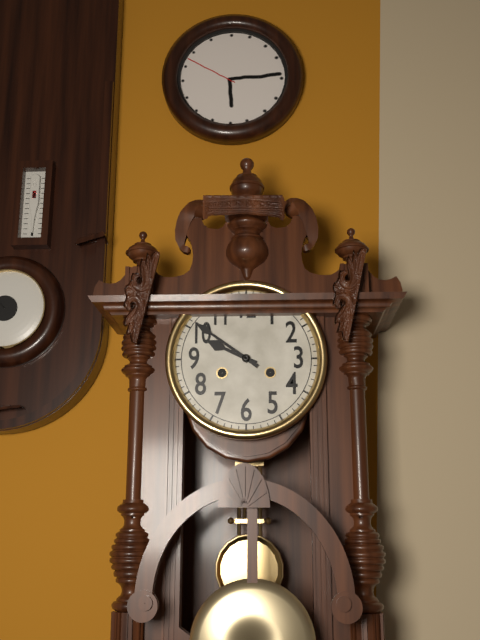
9 h 51 min
